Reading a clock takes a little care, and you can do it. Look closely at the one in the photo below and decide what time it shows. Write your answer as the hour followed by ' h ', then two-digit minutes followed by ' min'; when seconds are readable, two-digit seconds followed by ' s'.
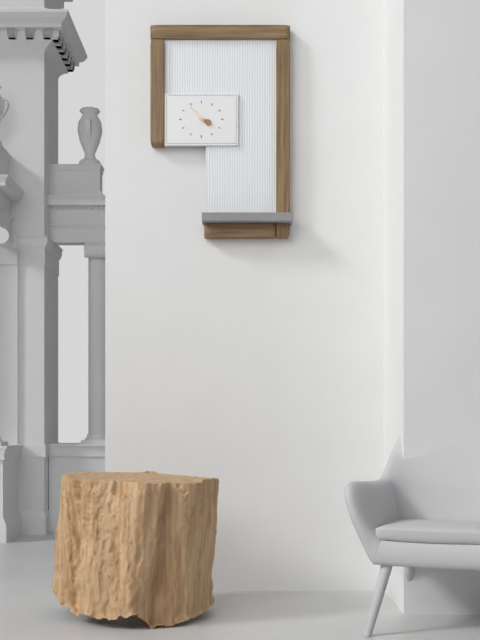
3 h 53 min
